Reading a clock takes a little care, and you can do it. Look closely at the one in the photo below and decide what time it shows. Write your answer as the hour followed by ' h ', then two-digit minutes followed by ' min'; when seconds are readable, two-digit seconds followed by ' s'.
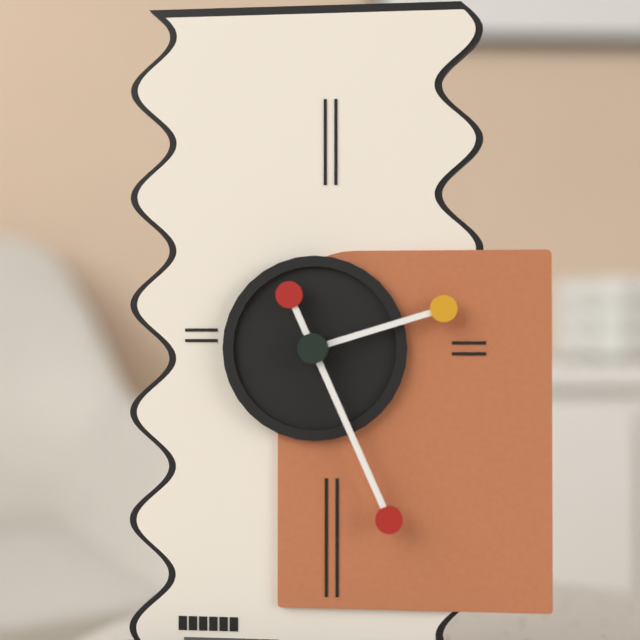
2 h 26 min
